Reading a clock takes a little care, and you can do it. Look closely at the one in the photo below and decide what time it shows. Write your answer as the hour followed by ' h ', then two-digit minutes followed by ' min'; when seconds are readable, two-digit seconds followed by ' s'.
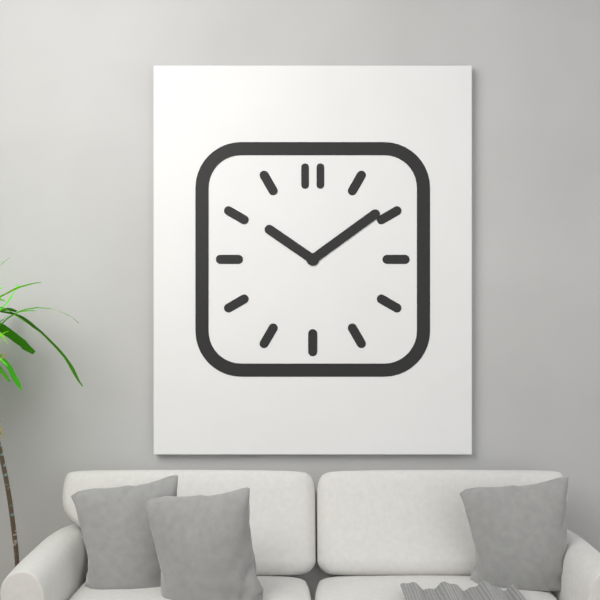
10 h 09 min
